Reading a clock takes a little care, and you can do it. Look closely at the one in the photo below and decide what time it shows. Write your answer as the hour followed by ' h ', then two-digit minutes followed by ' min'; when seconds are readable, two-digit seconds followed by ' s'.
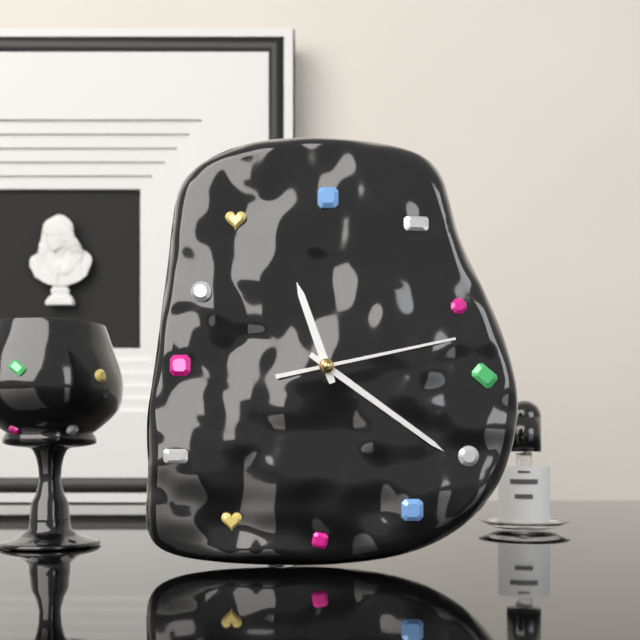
11 h 21 min 13 s
